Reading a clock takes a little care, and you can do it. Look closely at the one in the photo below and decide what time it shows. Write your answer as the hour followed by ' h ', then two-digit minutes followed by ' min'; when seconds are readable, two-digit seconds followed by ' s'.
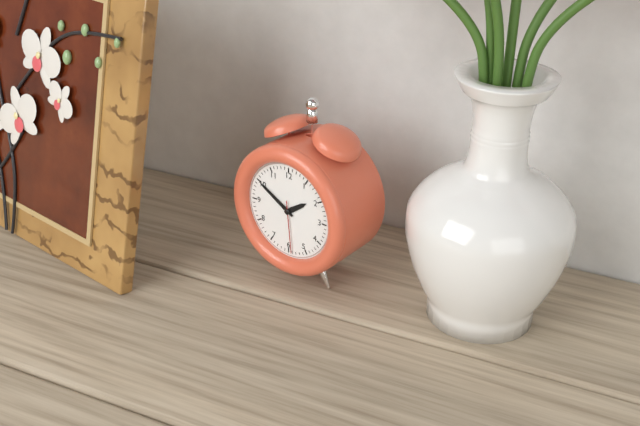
1 h 50 min 29 s
